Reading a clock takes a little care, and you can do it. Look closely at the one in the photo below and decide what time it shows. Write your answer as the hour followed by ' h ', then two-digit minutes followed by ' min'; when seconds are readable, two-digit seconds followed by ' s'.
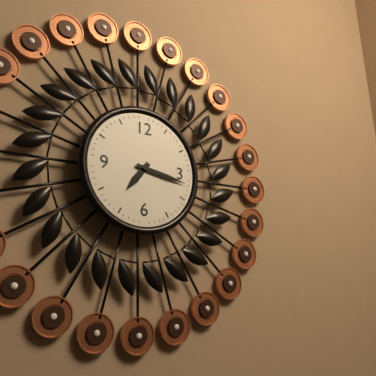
7 h 17 min
